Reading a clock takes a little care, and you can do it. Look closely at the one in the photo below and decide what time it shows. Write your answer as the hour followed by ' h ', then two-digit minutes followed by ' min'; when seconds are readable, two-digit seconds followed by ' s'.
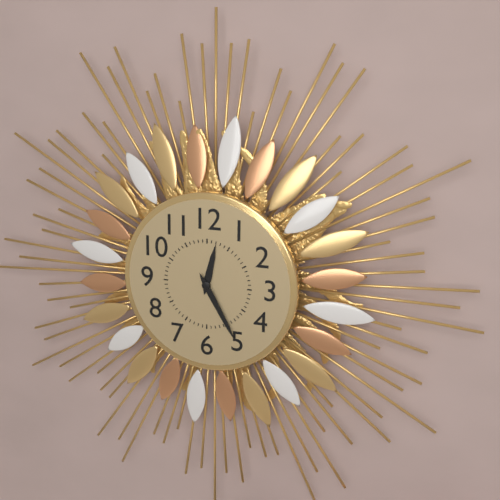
12 h 25 min
